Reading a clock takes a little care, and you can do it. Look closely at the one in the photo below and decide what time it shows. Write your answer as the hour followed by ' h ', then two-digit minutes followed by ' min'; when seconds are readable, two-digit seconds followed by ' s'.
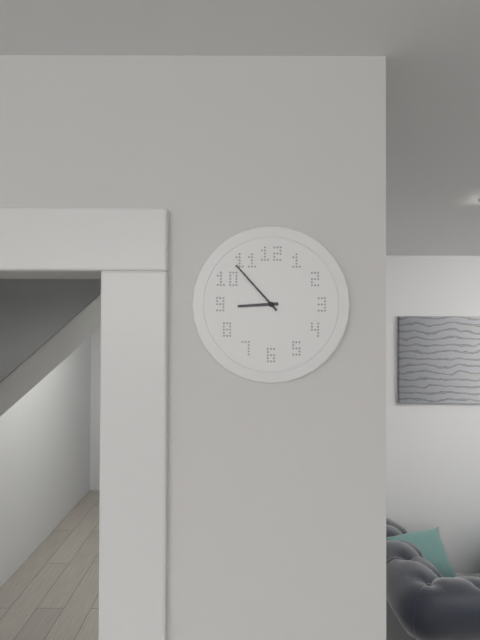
8 h 53 min
